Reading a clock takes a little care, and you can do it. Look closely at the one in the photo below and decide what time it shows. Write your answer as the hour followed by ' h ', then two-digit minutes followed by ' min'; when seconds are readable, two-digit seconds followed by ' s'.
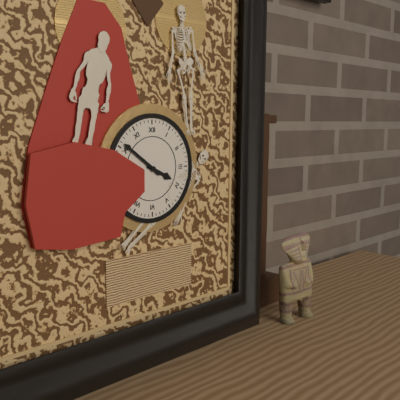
3 h 51 min
